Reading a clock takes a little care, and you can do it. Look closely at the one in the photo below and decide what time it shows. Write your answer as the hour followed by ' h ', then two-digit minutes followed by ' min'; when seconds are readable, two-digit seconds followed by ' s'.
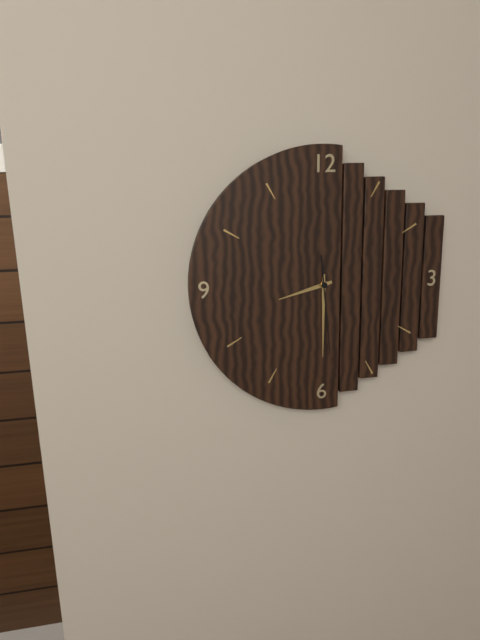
8 h 30 min 29 s
